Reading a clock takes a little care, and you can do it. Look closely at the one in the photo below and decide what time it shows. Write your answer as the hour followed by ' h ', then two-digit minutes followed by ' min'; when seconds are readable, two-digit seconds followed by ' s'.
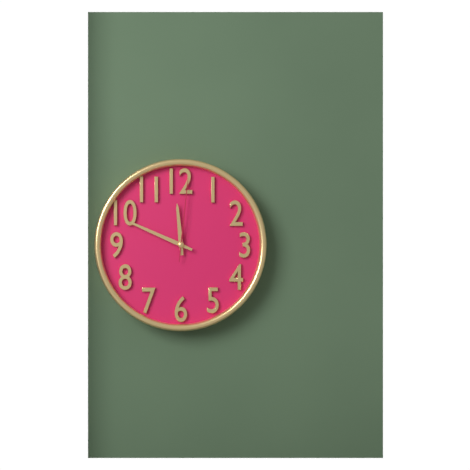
11 h 49 min 01 s
